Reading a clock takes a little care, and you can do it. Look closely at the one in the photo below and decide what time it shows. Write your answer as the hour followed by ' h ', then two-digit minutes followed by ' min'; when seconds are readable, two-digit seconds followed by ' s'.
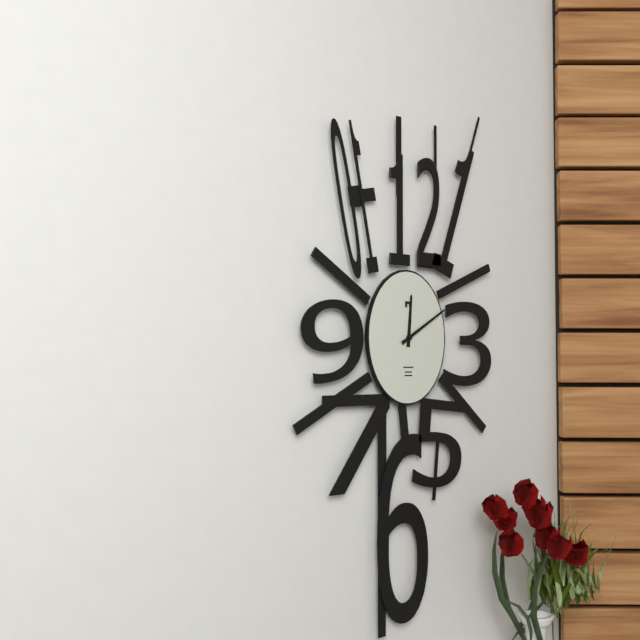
12 h 10 min
